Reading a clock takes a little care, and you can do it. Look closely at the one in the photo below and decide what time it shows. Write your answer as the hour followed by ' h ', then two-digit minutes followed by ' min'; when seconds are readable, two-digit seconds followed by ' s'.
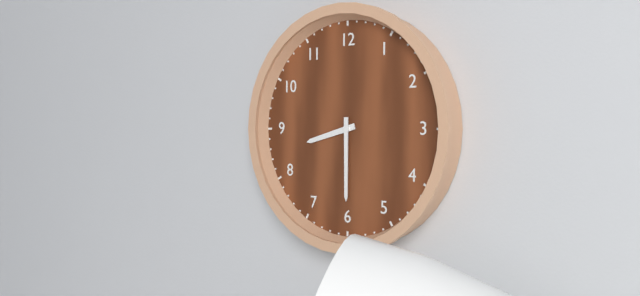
8 h 30 min
